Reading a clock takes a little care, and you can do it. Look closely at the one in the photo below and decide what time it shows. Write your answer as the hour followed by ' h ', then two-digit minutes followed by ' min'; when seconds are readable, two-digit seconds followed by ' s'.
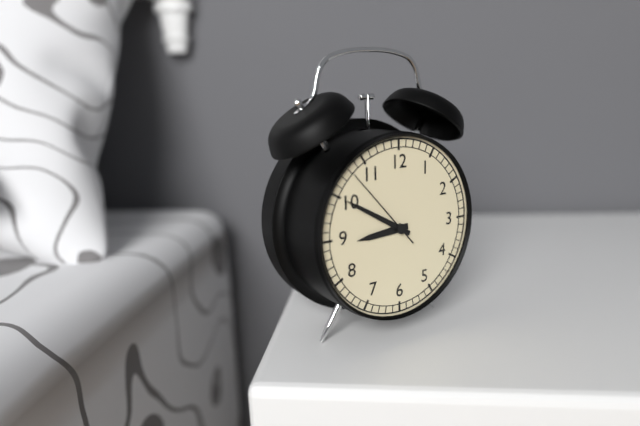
8 h 50 min 53 s
